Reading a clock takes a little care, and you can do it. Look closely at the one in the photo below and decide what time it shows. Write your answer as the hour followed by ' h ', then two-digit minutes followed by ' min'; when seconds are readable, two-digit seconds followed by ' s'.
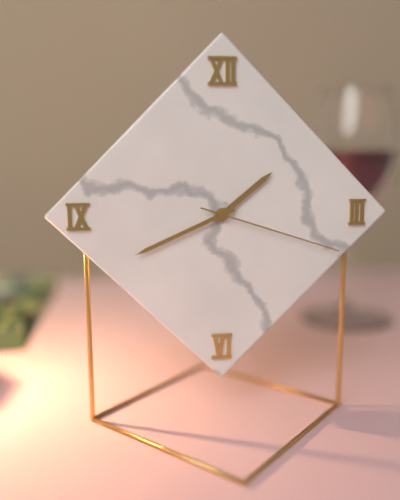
1 h 41 min 18 s
